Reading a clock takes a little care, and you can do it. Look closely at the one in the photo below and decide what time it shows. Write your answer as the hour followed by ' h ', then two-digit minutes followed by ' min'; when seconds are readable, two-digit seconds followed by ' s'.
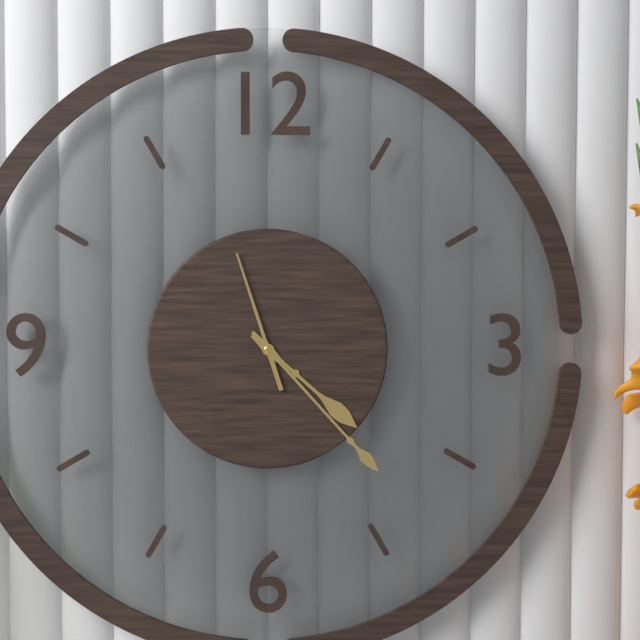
4 h 23 min 57 s
